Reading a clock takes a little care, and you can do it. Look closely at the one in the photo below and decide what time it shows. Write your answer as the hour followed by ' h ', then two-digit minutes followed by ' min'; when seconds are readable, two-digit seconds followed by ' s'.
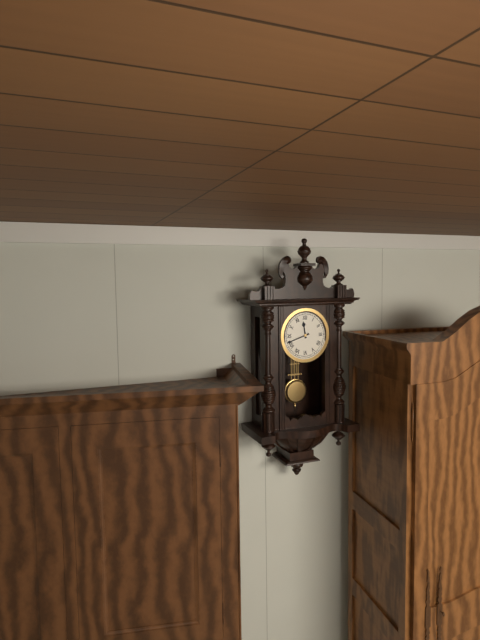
11 h 42 min
